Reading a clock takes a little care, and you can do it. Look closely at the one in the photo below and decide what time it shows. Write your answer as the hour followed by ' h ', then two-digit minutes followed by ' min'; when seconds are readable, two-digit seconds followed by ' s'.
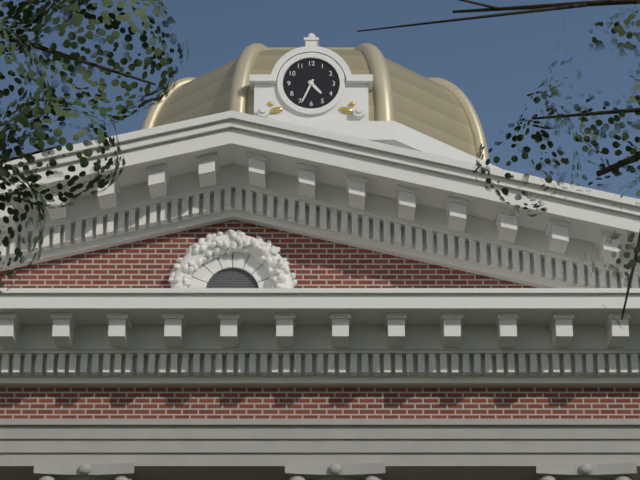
4 h 34 min
